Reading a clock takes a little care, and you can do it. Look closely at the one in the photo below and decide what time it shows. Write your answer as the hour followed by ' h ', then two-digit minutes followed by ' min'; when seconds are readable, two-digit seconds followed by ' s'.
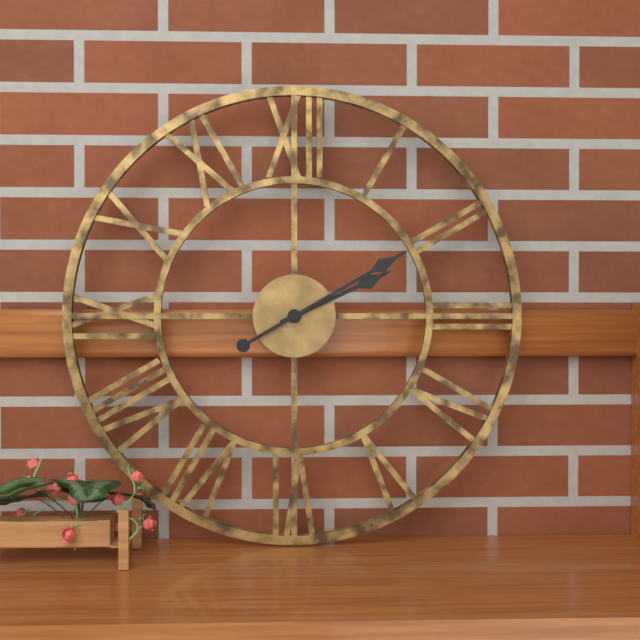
2 h 10 min
